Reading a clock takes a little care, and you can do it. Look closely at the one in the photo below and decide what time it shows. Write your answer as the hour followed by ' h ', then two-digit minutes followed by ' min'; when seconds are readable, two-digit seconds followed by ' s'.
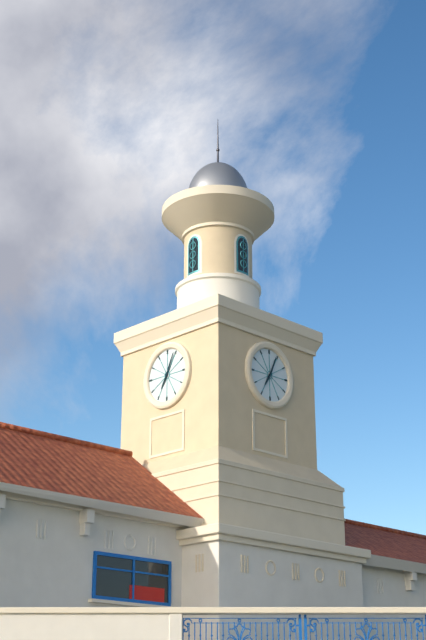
7 h 04 min
